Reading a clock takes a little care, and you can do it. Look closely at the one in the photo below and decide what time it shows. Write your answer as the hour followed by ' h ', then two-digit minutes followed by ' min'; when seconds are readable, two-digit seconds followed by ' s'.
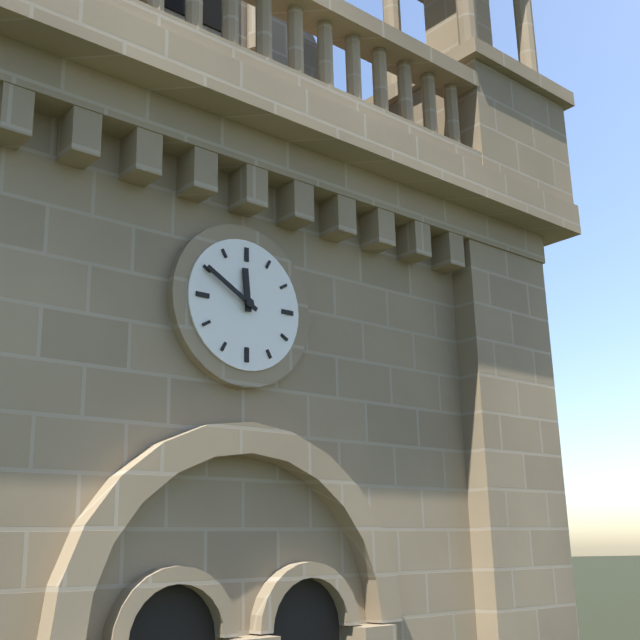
11 h 50 min
